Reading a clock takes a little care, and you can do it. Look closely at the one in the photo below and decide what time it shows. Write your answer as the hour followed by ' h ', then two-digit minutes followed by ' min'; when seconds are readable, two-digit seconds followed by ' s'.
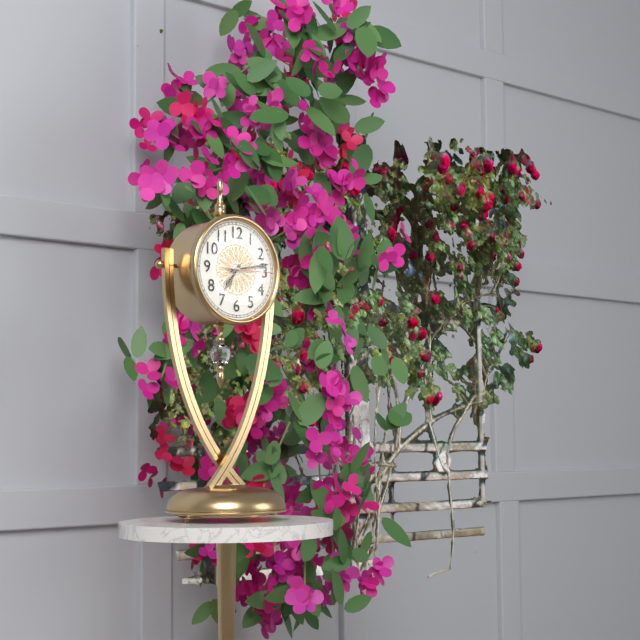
7 h 13 min
